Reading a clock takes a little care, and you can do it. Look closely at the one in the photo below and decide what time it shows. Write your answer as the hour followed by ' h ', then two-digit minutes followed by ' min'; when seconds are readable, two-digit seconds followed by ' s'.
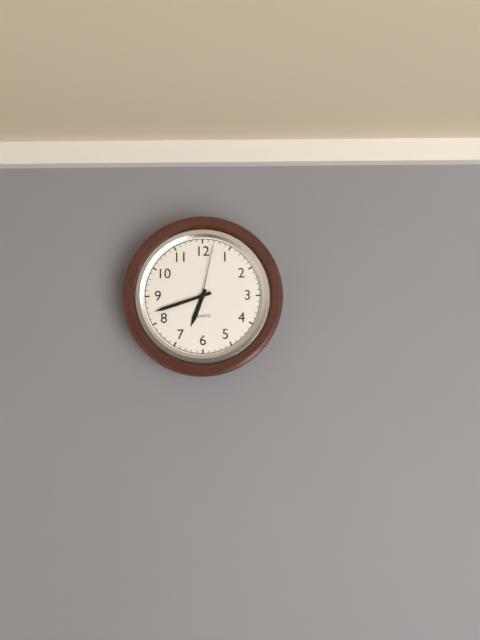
6 h 42 min 02 s
